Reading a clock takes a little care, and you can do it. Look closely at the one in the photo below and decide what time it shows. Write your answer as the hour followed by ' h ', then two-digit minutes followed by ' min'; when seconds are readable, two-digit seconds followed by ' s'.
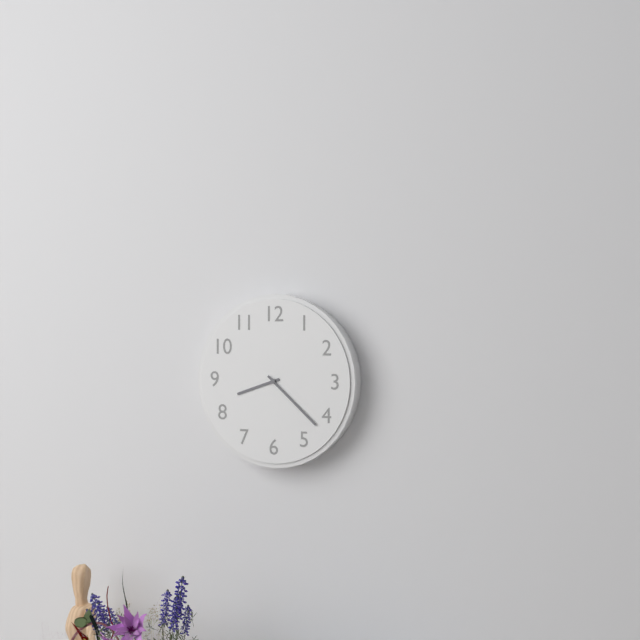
8 h 22 min
